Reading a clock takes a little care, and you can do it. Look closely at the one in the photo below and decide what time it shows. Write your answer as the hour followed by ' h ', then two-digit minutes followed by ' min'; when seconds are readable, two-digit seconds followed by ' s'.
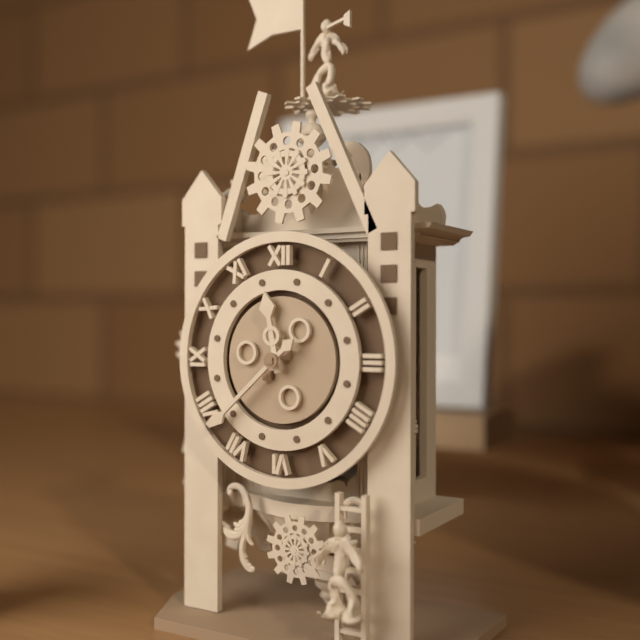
11 h 38 min
